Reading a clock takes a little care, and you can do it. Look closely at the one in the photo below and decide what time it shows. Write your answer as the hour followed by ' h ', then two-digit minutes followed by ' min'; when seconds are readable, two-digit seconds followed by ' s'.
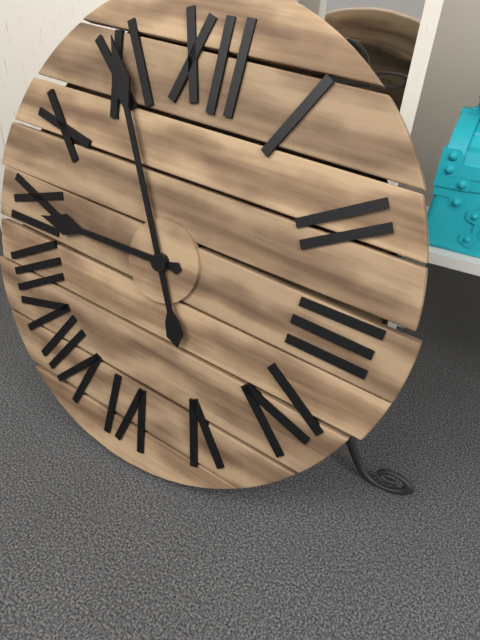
8 h 55 min
